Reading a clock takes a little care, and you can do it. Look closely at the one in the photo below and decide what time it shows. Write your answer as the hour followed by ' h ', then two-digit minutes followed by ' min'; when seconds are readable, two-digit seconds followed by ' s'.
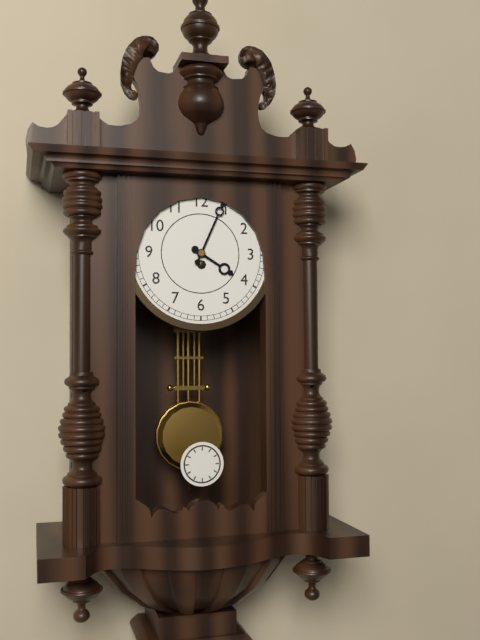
4 h 04 min
